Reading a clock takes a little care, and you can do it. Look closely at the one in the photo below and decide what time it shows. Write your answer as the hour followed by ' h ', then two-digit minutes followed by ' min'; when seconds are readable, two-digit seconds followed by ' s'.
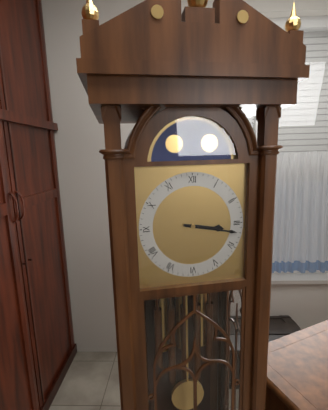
3 h 17 min
